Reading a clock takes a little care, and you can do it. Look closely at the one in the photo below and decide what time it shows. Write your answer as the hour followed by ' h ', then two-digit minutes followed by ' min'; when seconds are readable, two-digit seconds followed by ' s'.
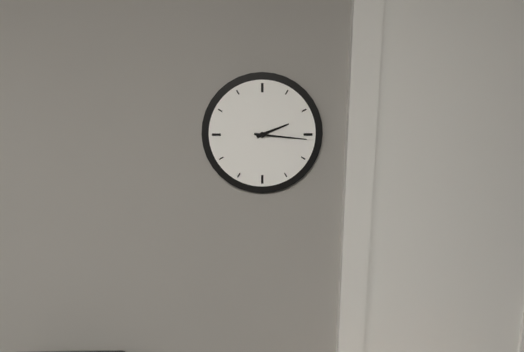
2 h 16 min
